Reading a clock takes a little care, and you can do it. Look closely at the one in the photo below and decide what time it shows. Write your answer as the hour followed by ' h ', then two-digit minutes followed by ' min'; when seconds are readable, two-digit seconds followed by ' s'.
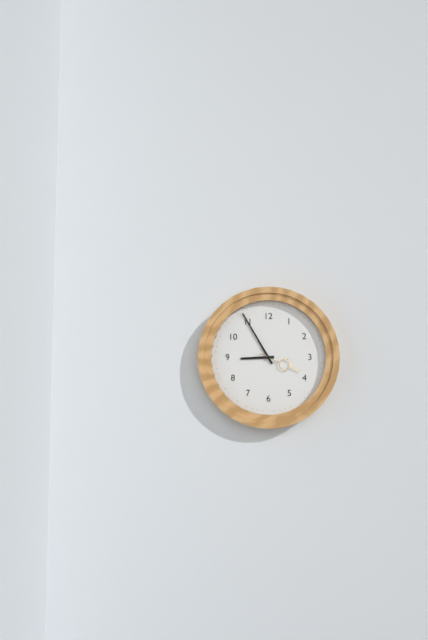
8 h 55 min
